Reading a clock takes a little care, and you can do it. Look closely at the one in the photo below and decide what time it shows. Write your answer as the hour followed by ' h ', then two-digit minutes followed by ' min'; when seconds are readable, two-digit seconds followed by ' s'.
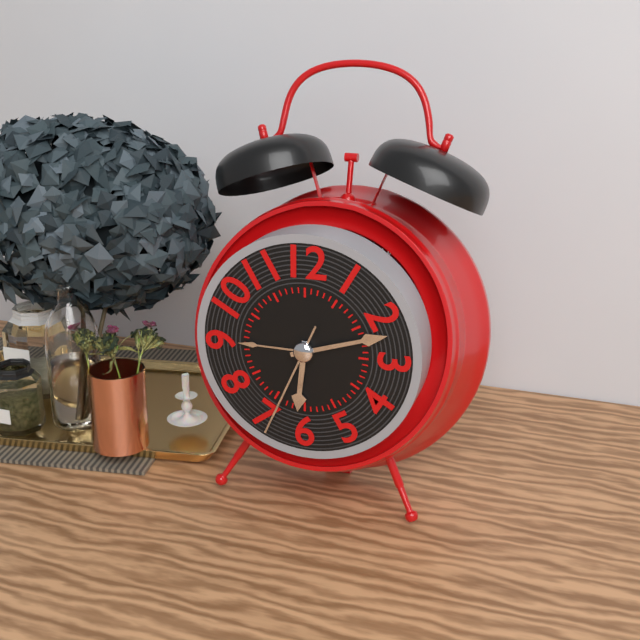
6 h 12 min 34 s
